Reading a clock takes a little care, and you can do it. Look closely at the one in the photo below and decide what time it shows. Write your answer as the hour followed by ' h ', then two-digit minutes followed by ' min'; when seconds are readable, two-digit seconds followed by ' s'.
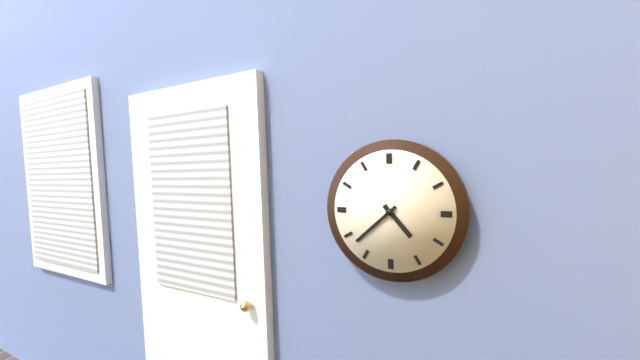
4 h 38 min
